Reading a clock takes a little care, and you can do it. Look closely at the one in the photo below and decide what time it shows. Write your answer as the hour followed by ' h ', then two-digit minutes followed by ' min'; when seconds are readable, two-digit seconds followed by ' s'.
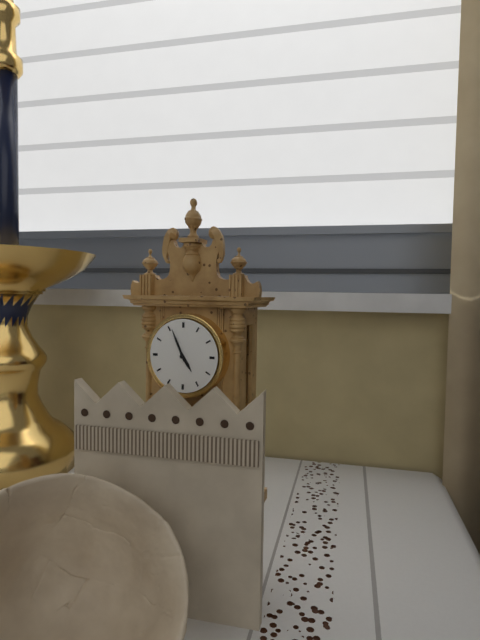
4 h 56 min
